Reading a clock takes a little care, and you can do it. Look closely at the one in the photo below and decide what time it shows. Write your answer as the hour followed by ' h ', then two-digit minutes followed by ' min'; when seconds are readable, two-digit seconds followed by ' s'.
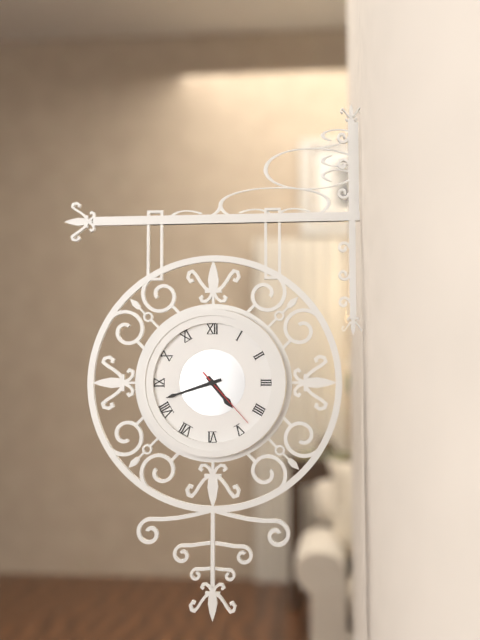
4 h 42 min 23 s
